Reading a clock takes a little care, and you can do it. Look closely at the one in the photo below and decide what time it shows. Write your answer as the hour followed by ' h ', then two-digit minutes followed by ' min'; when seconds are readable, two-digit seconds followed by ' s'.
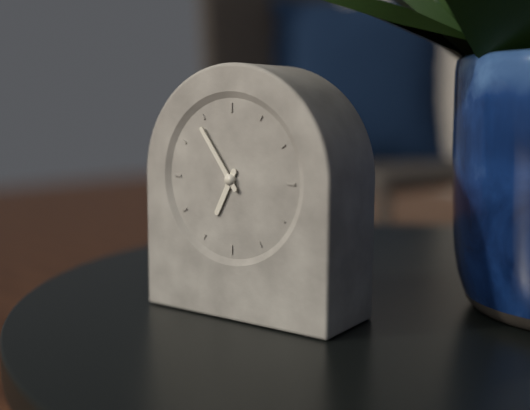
6 h 54 min
